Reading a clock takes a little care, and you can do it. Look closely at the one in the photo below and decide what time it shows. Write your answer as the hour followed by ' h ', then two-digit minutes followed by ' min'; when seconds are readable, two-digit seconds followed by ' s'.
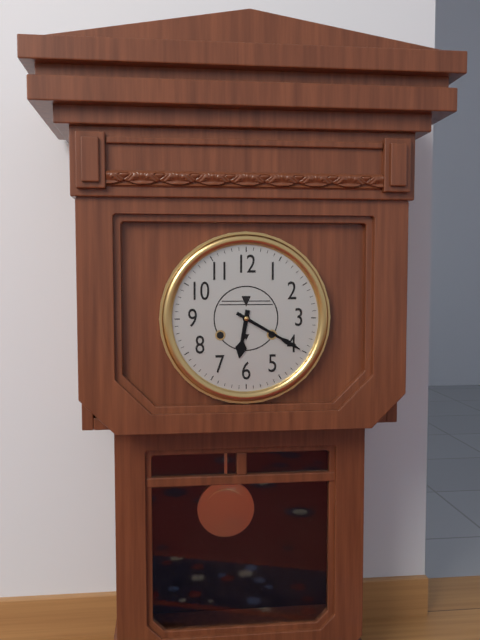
6 h 20 min
